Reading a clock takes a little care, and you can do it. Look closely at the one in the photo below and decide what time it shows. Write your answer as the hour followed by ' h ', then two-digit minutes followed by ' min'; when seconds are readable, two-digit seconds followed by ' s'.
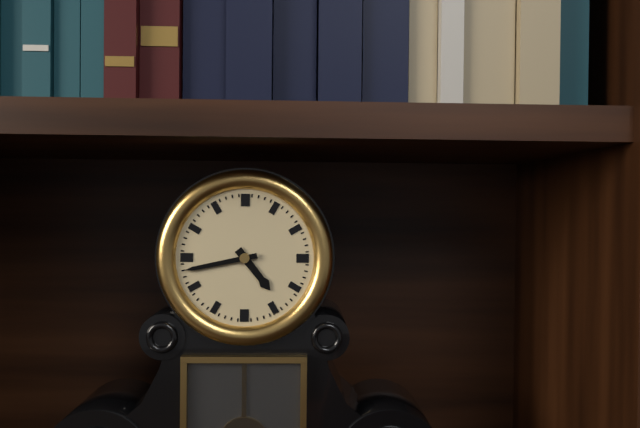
4 h 43 min
